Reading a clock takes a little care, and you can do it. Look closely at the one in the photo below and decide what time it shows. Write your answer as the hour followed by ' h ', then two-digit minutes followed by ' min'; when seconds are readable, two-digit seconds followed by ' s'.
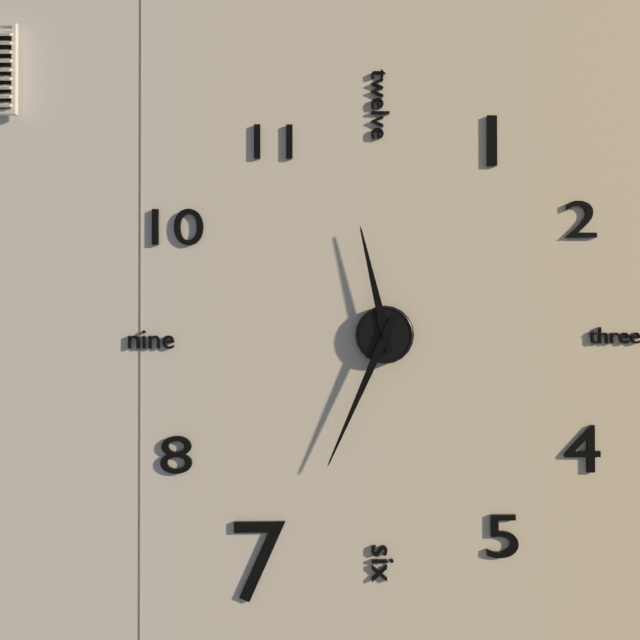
11 h 34 min
